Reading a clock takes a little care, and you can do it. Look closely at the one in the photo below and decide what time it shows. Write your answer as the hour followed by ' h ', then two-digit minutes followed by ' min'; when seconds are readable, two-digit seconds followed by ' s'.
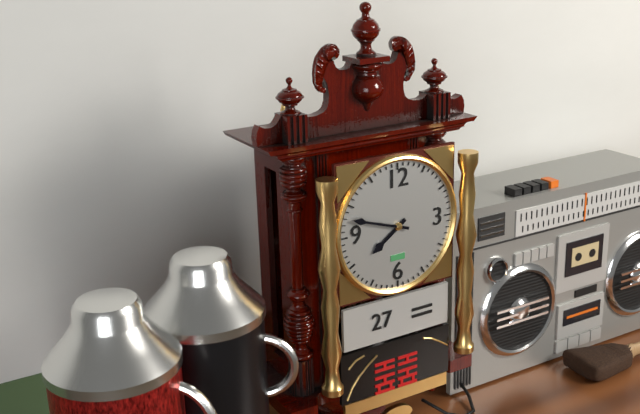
7 h 48 min
